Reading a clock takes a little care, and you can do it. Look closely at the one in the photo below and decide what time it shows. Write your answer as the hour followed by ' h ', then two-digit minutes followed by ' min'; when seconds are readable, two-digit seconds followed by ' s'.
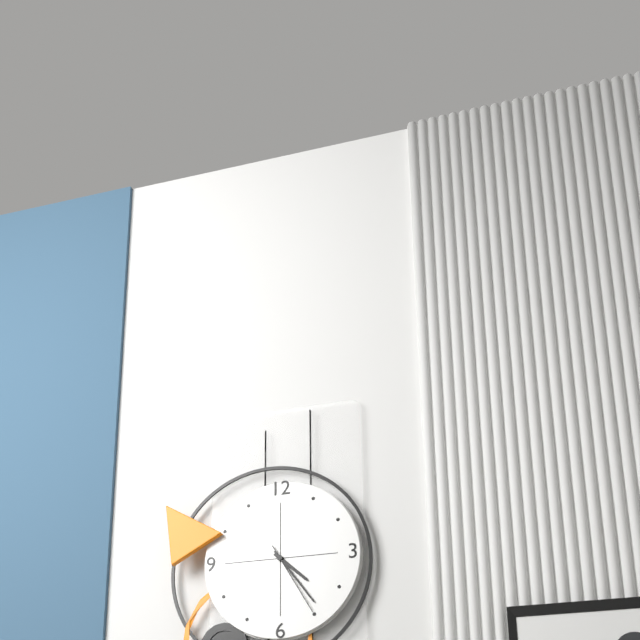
4 h 24 min 25 s
